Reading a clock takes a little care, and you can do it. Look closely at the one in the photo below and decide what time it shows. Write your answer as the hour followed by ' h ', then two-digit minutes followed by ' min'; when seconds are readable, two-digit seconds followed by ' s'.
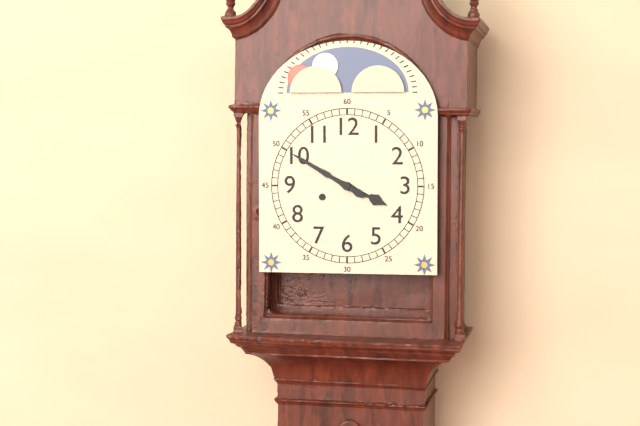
3 h 50 min
